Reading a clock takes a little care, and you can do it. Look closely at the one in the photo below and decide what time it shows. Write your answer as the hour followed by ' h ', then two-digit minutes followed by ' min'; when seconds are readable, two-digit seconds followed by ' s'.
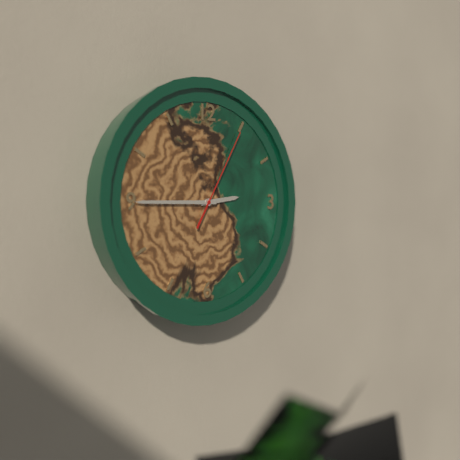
2 h 45 min 05 s
